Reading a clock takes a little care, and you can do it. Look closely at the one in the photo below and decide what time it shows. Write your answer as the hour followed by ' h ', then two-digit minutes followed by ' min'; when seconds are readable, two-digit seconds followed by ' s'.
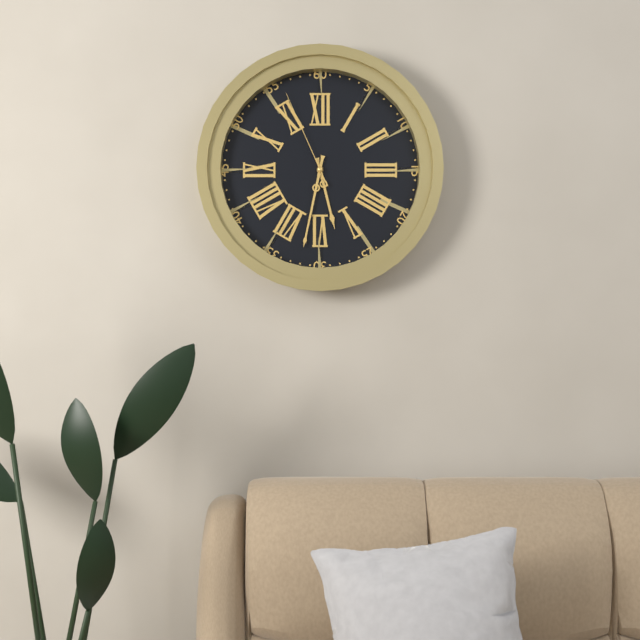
5 h 32 min 56 s
